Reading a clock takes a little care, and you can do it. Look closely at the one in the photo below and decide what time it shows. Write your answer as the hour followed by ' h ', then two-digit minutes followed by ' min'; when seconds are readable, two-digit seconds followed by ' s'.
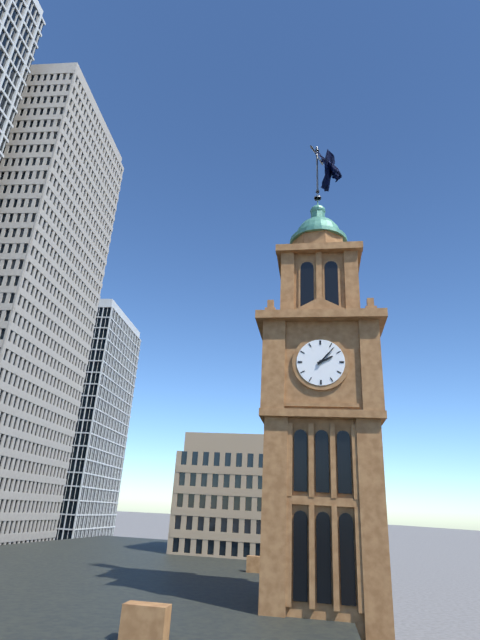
2 h 07 min
